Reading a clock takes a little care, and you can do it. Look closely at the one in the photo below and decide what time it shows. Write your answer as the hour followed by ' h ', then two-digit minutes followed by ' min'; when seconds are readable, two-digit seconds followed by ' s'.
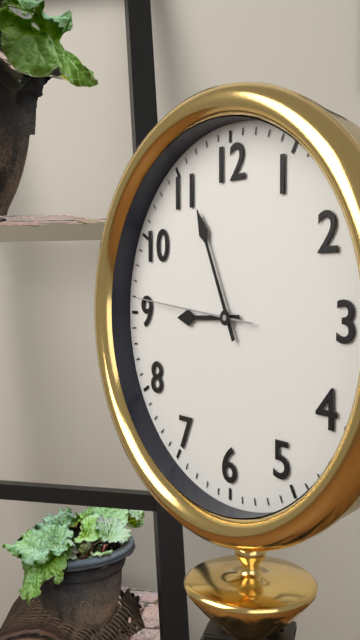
8 h 56 min 46 s
